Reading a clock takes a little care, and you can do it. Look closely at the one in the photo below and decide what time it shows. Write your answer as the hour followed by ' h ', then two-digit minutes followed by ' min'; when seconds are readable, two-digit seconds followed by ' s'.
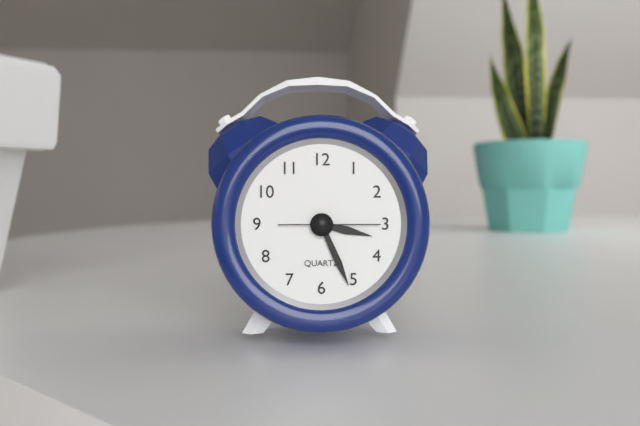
3 h 26 min 15 s
